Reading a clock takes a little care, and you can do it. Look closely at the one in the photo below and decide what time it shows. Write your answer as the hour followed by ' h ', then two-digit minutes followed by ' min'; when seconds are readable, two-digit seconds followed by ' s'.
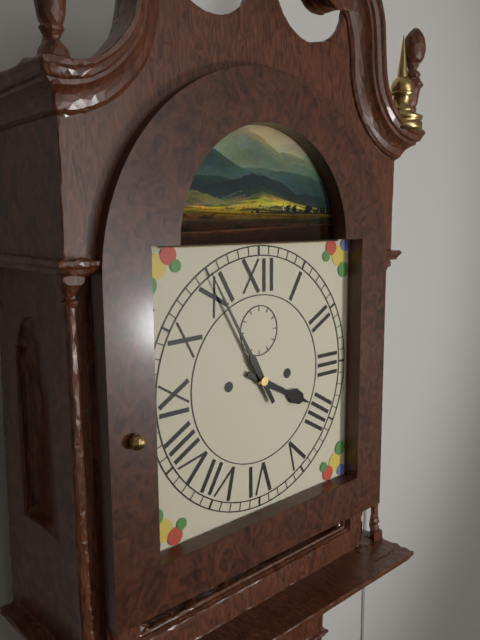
3 h 55 min
